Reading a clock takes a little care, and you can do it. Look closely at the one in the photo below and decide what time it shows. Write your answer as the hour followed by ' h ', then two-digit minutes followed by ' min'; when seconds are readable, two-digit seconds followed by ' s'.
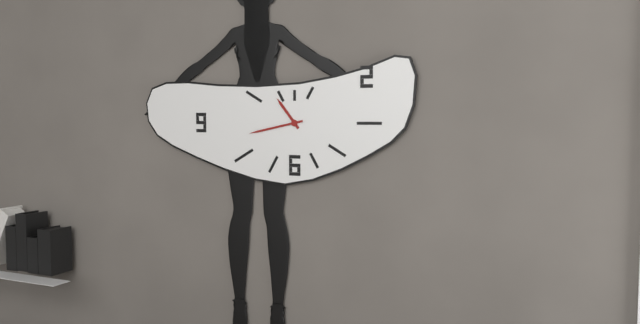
10 h 43 min
